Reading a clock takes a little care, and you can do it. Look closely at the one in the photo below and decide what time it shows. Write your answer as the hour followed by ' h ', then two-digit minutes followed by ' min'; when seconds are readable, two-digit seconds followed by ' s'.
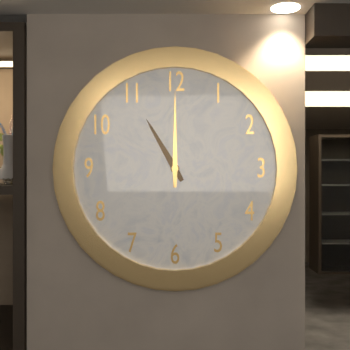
11 h 00 min
